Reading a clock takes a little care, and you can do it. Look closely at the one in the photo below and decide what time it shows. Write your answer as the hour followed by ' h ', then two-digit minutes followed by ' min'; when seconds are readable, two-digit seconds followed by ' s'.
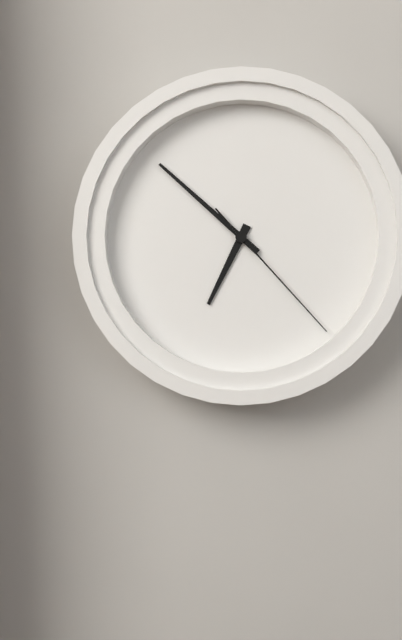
6 h 52 min 23 s
